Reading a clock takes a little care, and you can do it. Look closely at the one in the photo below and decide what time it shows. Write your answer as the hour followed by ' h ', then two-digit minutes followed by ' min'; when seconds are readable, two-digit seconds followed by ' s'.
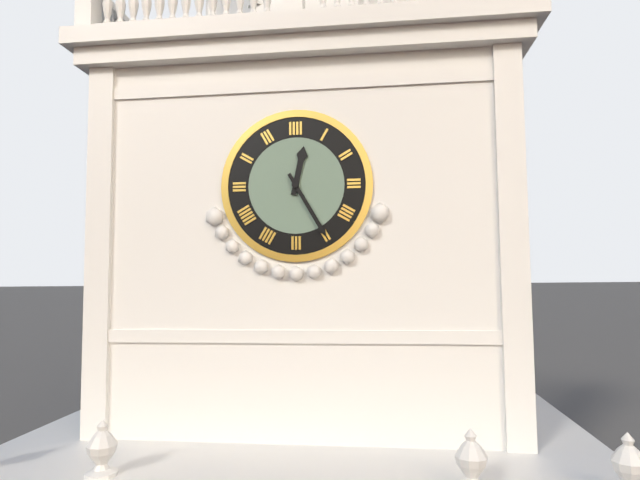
12 h 25 min
